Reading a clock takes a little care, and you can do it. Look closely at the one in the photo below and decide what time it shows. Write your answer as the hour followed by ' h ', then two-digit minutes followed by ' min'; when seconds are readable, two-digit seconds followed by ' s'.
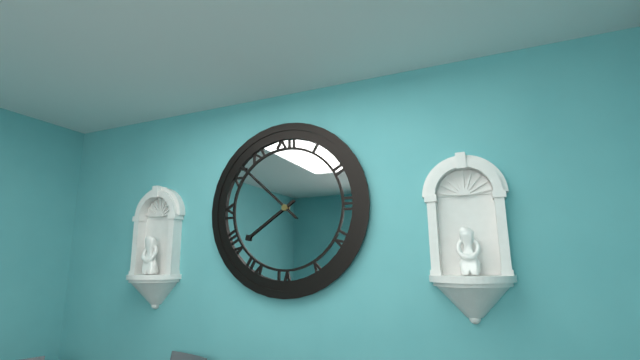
7 h 52 min
